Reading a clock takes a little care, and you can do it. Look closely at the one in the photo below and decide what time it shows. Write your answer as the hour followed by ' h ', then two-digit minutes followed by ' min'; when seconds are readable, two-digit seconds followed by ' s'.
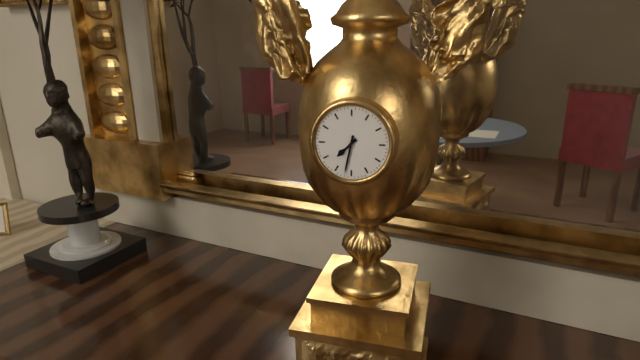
7 h 32 min
